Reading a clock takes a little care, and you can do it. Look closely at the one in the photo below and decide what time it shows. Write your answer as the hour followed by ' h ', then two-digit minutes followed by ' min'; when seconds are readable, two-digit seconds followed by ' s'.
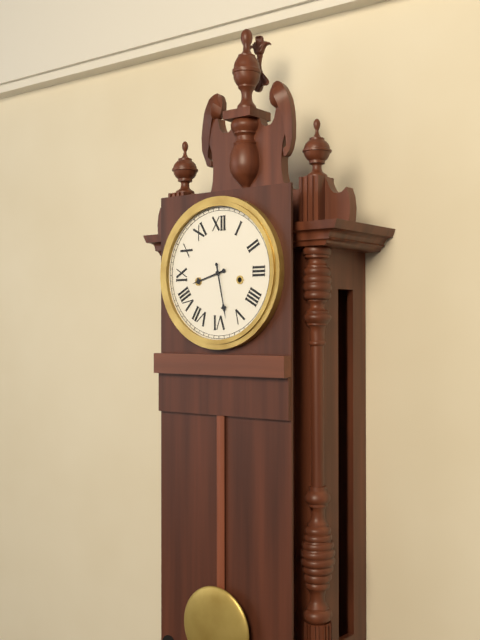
8 h 28 min
